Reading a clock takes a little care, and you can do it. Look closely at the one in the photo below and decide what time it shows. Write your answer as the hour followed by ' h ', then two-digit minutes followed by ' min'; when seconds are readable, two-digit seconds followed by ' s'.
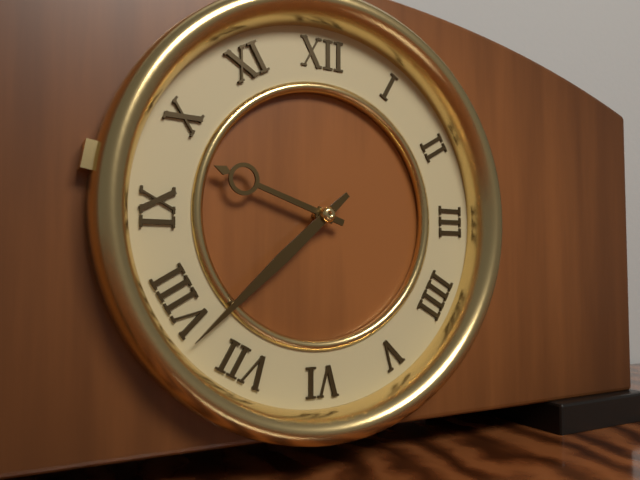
9 h 38 min
